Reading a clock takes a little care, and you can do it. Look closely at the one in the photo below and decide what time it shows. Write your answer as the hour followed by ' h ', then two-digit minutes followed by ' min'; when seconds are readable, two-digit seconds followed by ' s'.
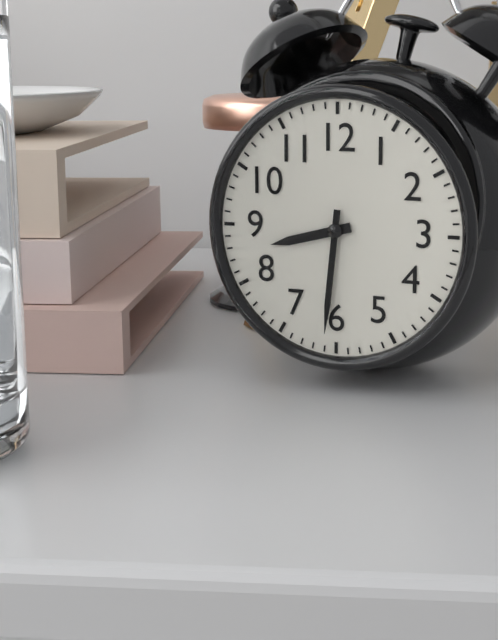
8 h 31 min
